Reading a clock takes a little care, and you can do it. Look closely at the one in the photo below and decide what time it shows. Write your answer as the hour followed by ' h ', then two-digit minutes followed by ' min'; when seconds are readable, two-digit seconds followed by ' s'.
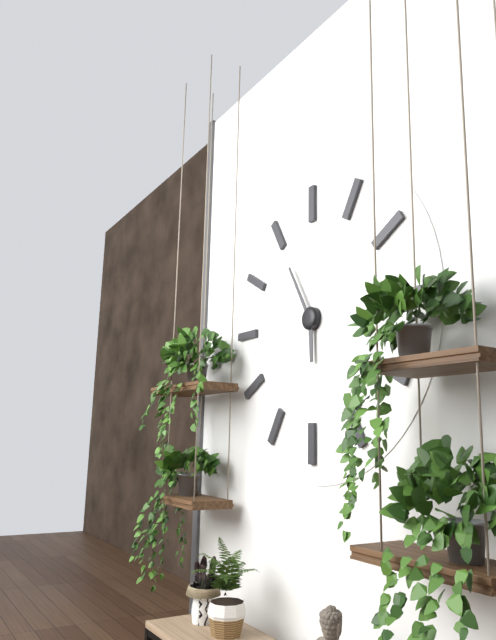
5 h 55 min
